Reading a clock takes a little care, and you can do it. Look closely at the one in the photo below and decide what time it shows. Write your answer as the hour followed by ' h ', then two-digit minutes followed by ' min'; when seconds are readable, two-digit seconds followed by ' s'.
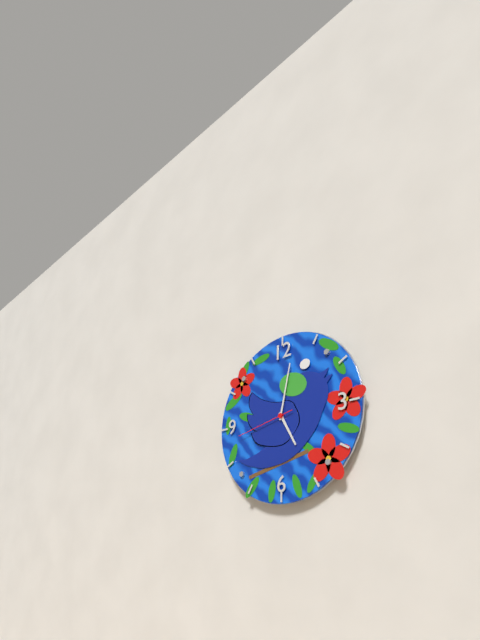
5 h 02 min 43 s
